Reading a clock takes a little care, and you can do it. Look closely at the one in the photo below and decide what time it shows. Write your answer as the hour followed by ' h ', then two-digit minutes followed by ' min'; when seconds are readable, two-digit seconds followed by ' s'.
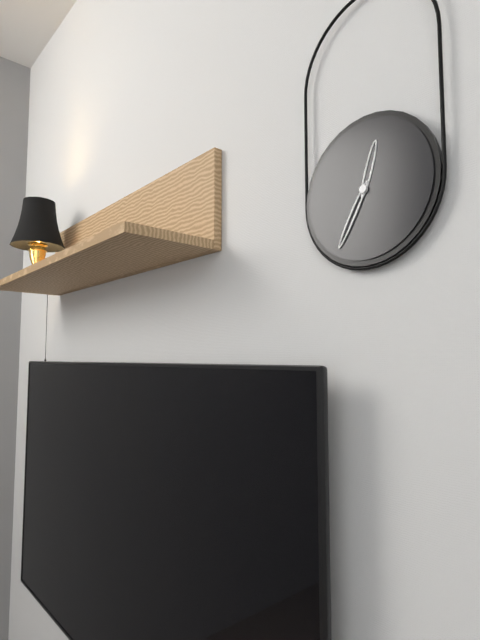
12 h 35 min
